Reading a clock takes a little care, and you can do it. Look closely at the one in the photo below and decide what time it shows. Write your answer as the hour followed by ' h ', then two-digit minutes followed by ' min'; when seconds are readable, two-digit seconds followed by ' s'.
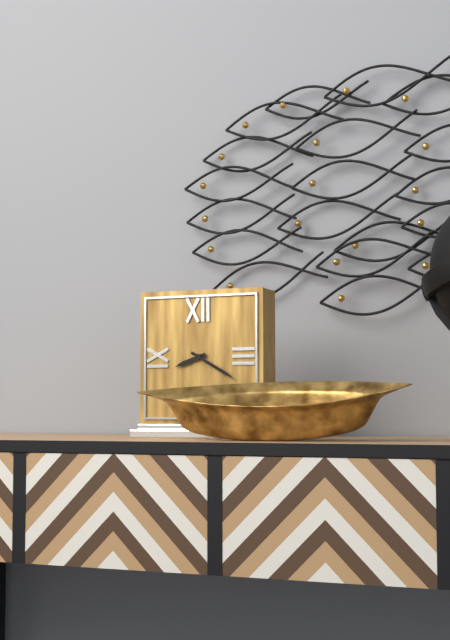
8 h 20 min
